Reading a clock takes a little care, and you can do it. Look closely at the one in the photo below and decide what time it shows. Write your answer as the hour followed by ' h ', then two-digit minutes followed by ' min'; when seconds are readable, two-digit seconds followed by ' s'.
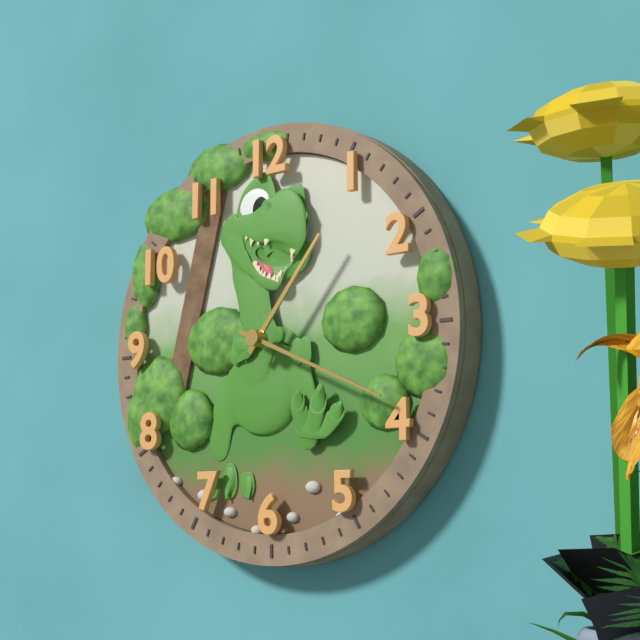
1 h 19 min
